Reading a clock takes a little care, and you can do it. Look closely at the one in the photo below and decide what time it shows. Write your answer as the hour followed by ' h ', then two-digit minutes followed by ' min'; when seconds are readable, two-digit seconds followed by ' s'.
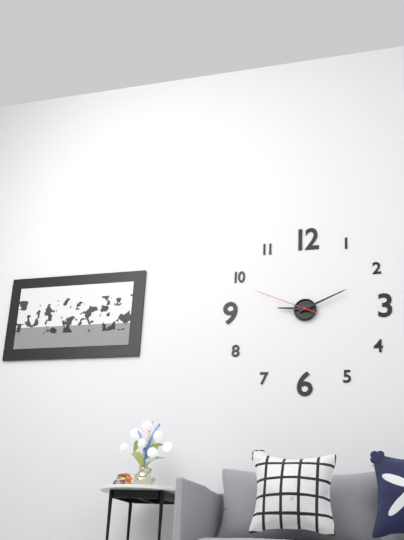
9 h 11 min 49 s
